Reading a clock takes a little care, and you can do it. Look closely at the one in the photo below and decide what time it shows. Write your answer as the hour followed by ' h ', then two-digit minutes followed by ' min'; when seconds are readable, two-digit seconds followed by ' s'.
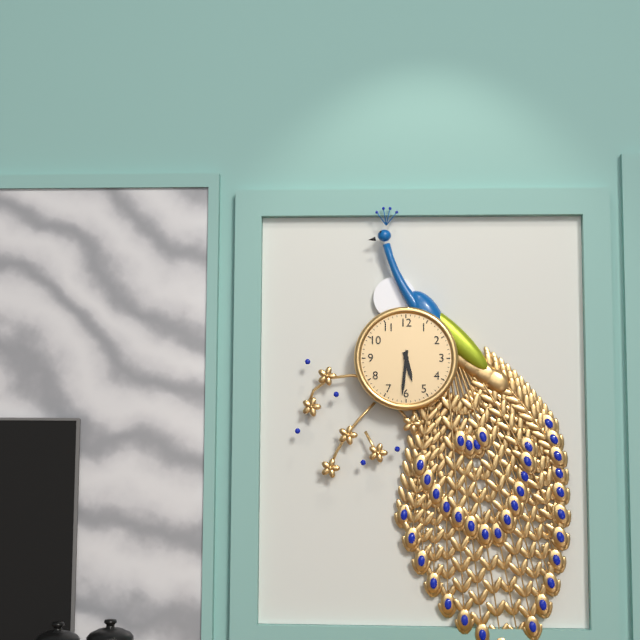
5 h 31 min
